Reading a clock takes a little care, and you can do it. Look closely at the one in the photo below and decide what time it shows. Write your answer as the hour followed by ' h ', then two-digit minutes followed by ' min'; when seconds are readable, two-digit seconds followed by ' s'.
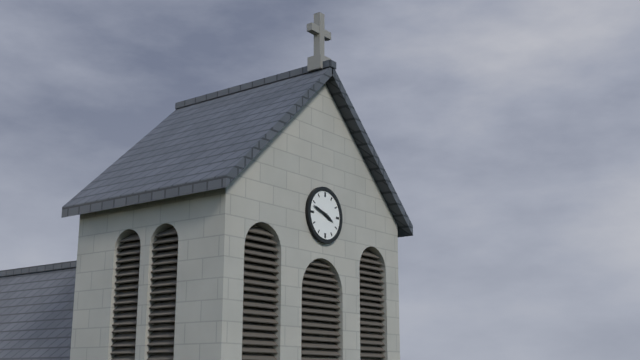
3 h 48 min
